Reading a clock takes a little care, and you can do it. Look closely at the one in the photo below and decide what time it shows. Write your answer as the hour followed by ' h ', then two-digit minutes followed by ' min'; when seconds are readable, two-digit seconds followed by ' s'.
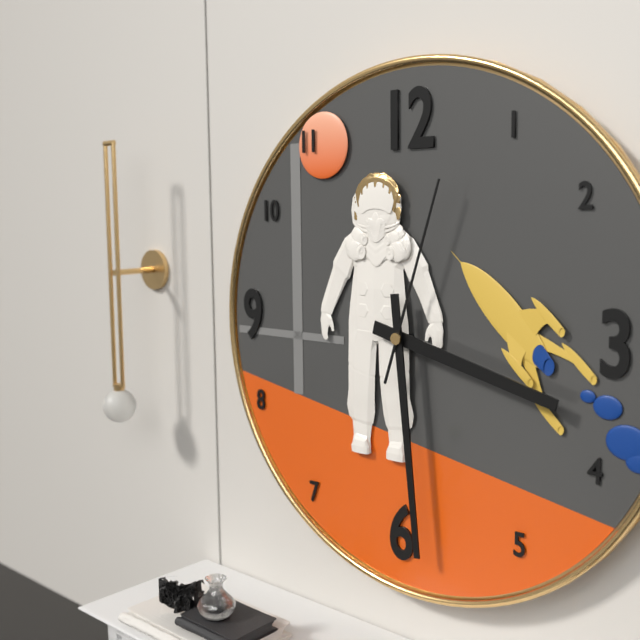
3 h 29 min 03 s
